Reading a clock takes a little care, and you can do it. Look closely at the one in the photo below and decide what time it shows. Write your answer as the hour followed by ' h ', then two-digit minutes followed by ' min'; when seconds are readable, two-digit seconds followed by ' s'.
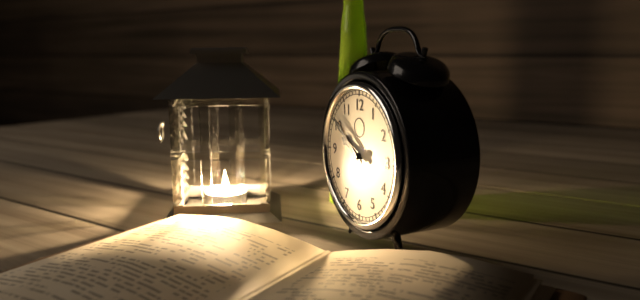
9 h 51 min
